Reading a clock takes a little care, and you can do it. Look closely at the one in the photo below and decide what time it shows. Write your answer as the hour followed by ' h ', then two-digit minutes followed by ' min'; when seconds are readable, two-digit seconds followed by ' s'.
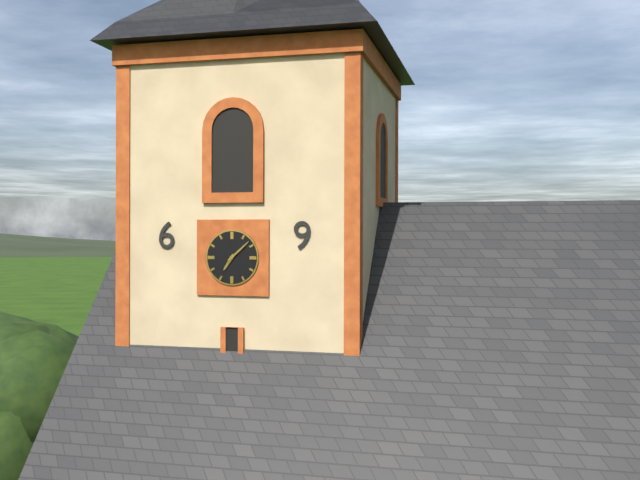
7 h 08 min
